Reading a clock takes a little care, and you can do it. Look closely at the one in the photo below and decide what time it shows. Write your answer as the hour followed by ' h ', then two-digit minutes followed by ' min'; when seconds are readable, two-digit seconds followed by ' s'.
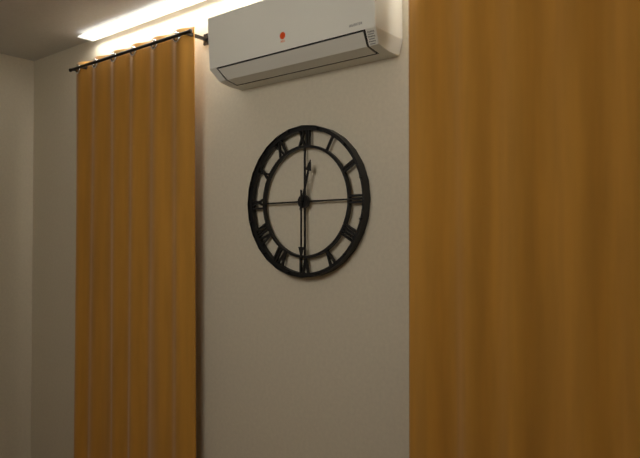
12 h 30 min
